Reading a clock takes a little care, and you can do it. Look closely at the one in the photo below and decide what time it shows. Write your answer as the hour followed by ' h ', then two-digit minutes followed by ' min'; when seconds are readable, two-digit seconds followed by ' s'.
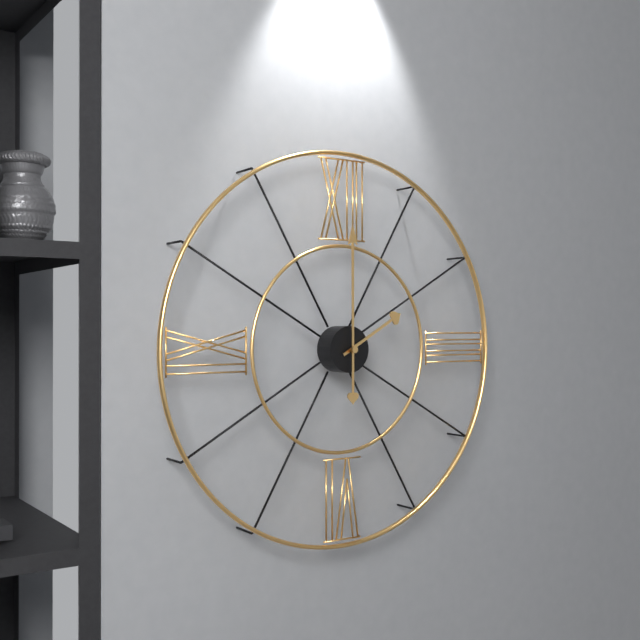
2 h 00 min
